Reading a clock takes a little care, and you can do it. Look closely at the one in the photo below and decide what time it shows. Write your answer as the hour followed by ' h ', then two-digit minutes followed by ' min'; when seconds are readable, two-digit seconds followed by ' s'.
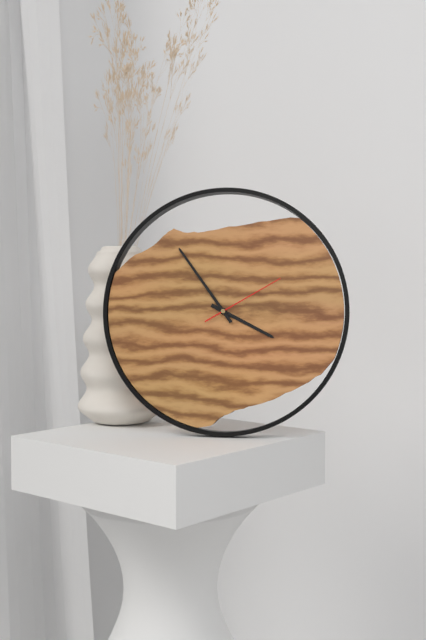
3 h 54 min 10 s
